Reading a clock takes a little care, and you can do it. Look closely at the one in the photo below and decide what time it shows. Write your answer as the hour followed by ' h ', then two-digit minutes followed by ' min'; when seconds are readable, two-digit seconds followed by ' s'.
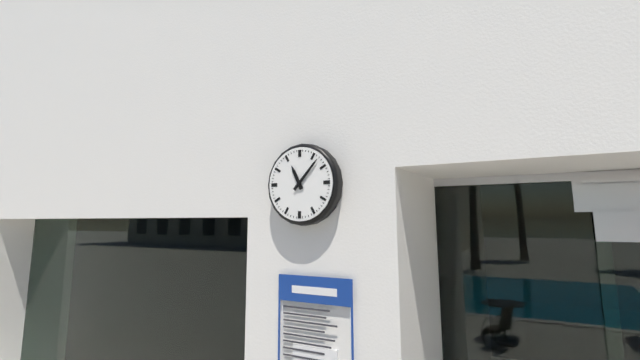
11 h 07 min
